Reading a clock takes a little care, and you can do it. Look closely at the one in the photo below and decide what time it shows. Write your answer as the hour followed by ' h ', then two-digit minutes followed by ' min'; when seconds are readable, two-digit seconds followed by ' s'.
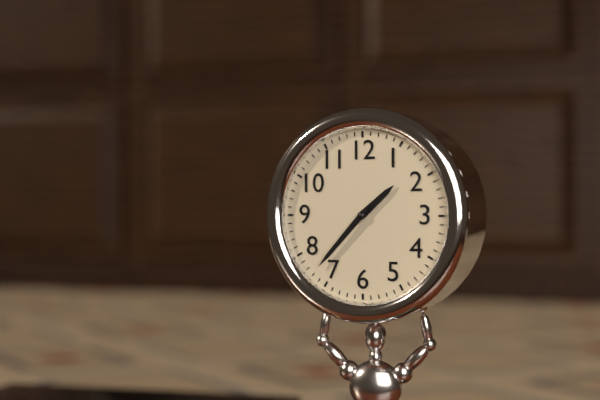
1 h 37 min
